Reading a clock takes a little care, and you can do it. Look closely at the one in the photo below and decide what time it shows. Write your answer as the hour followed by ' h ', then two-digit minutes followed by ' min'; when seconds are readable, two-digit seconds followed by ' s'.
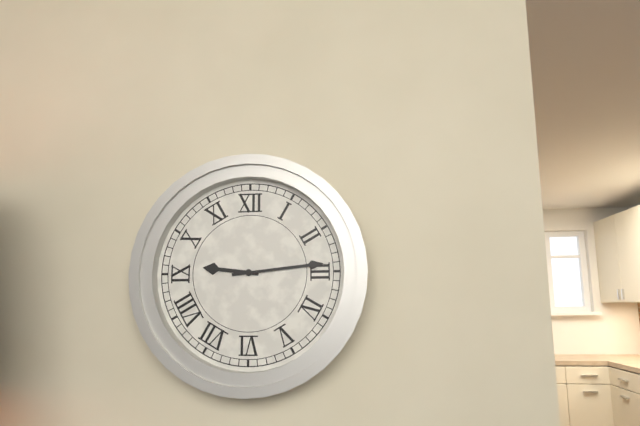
9 h 14 min
